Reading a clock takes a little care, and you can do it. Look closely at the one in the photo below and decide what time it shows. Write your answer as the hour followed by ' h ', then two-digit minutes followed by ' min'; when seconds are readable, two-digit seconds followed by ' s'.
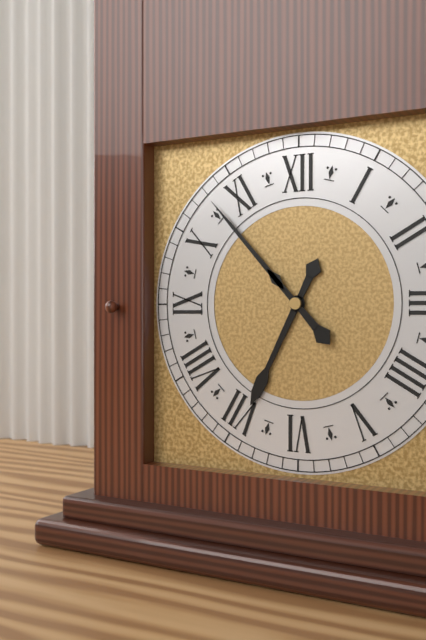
6 h 53 min
